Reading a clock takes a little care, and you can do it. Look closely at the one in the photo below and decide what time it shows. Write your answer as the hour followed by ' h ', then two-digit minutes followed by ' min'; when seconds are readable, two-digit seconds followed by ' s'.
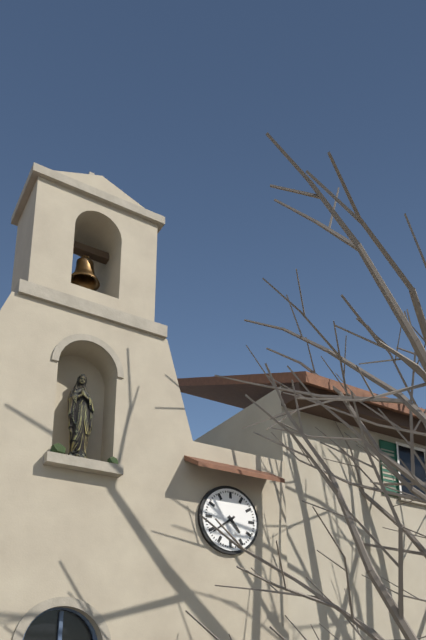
4 h 39 min
